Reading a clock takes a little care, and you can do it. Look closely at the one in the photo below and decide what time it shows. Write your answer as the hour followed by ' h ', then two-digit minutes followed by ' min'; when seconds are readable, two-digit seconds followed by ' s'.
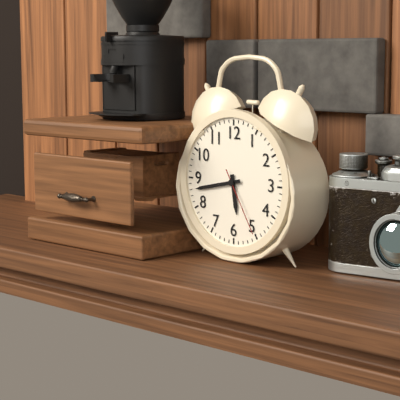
5 h 43 min 25 s
